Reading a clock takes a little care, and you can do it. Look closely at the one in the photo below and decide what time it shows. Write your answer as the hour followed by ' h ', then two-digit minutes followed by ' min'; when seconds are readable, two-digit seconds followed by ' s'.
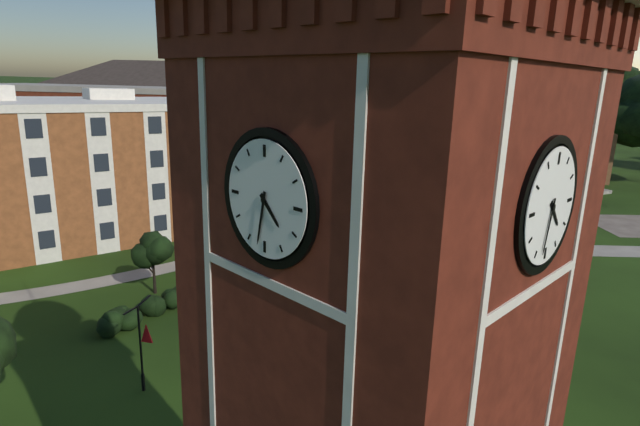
4 h 32 min
